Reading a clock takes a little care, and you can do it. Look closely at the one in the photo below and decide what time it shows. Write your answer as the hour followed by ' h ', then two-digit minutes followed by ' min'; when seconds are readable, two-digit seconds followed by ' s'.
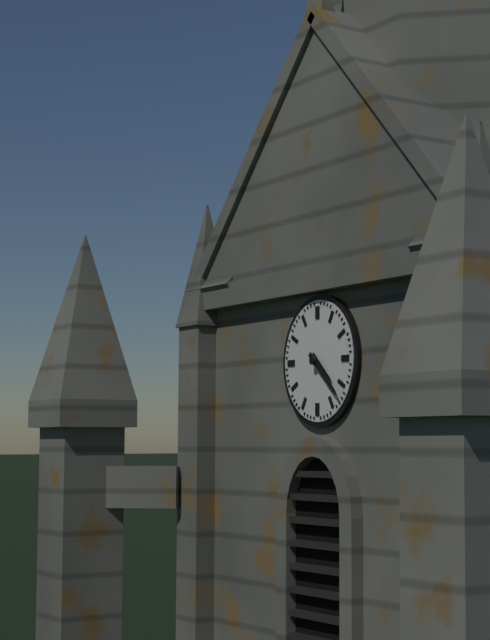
4 h 22 min
